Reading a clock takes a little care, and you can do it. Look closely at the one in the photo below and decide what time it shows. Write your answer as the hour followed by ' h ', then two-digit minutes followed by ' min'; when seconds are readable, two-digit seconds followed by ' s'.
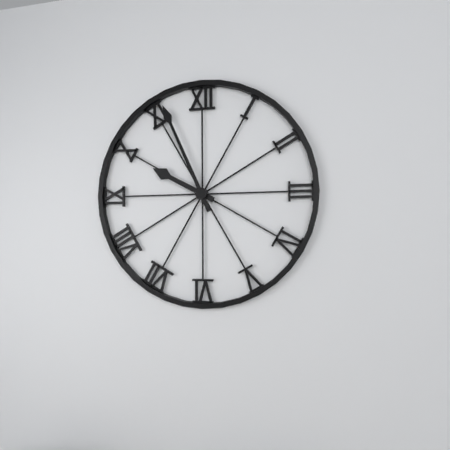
9 h 56 min
